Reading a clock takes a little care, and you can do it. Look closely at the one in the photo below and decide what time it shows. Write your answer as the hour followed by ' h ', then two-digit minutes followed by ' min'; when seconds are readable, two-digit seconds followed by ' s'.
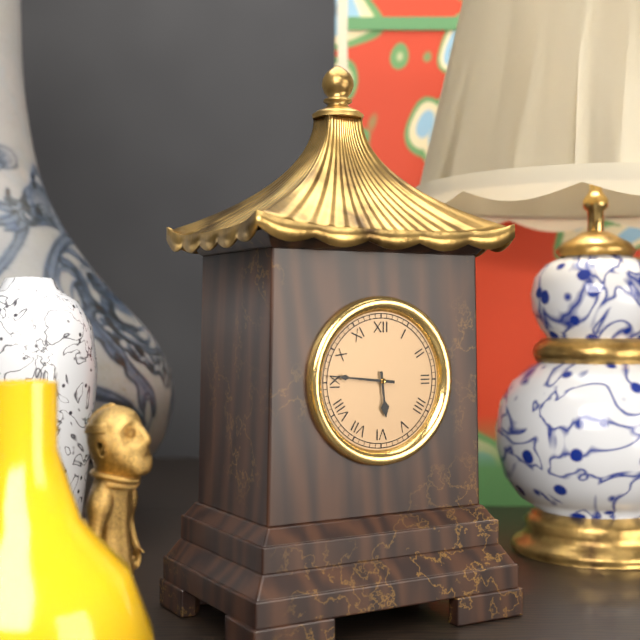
5 h 46 min
